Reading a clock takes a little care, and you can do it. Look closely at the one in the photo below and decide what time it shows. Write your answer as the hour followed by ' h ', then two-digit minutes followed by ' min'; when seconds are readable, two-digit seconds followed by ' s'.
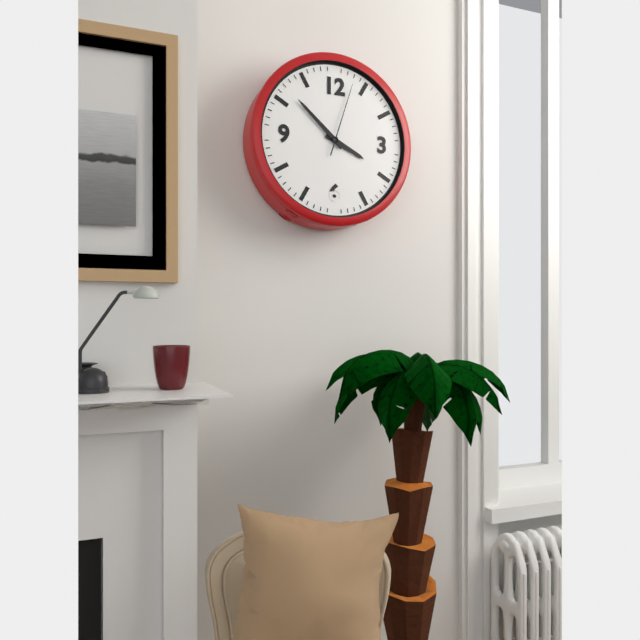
3 h 52 min 03 s
